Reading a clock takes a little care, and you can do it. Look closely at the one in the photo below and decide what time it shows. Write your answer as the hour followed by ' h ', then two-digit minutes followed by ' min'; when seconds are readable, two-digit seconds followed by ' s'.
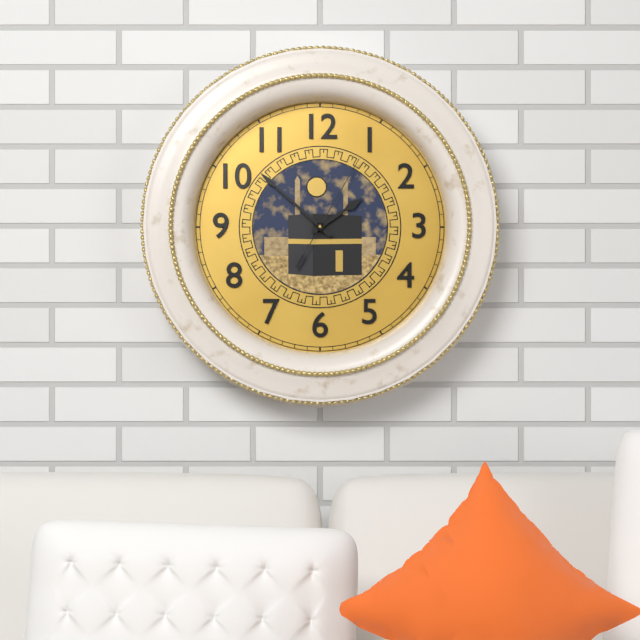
1 h 52 min 05 s
